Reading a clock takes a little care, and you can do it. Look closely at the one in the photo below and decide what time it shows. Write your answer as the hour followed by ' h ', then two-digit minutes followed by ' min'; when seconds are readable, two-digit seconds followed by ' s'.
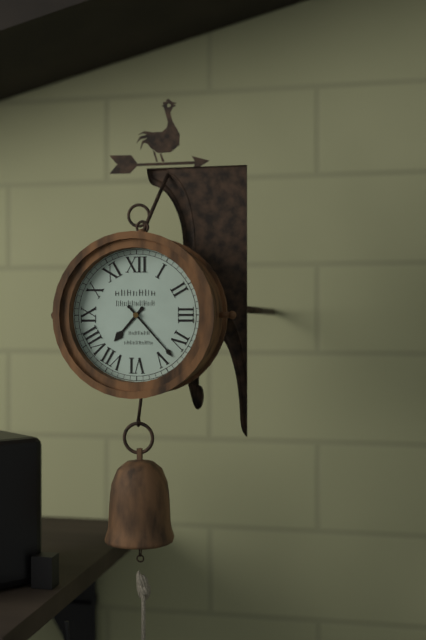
7 h 23 min
